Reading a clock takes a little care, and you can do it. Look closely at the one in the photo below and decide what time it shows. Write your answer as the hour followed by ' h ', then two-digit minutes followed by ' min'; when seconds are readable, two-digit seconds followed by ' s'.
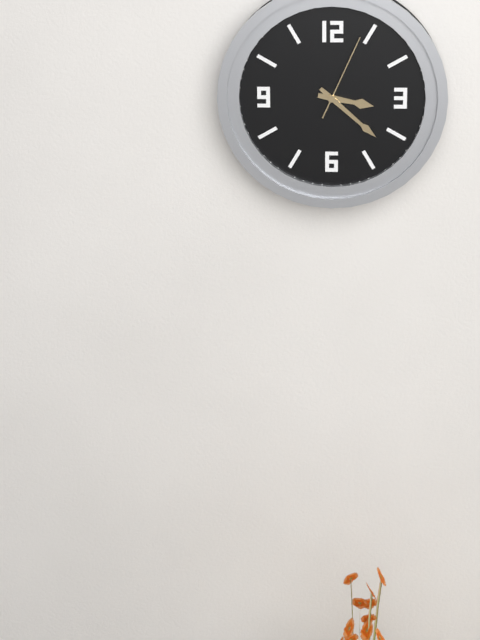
3 h 22 min 04 s
